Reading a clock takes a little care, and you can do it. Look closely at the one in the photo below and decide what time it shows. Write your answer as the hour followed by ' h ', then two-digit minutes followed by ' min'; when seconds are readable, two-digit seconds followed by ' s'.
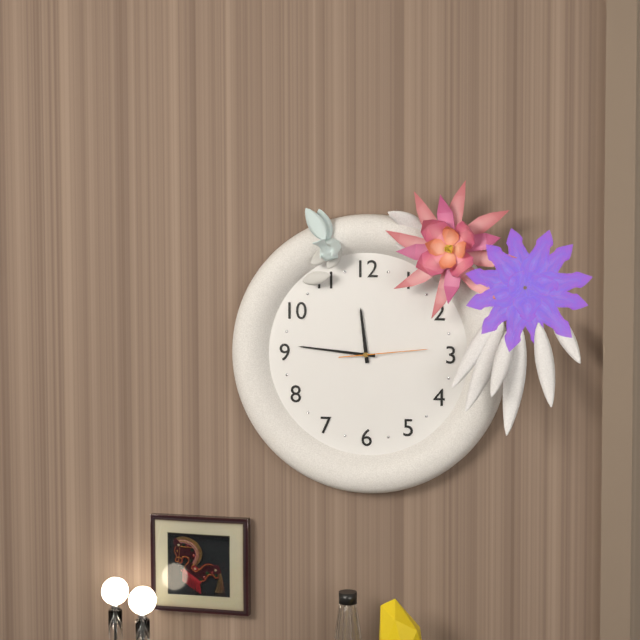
11 h 46 min 14 s
